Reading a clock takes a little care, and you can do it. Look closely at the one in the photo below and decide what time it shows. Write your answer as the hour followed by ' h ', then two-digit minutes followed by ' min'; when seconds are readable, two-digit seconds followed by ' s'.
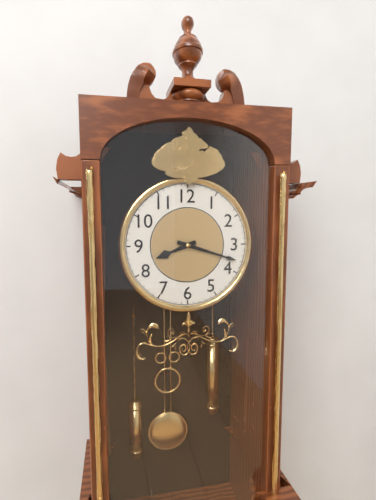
8 h 18 min
